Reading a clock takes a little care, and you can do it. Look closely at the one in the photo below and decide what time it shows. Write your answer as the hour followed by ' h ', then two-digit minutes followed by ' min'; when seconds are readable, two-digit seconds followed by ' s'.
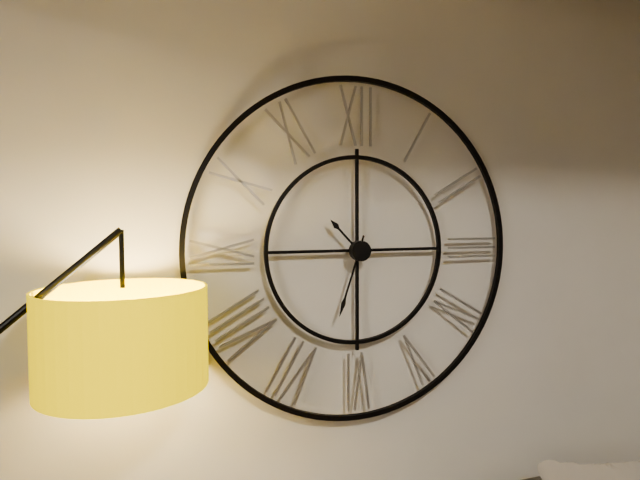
10 h 33 min
